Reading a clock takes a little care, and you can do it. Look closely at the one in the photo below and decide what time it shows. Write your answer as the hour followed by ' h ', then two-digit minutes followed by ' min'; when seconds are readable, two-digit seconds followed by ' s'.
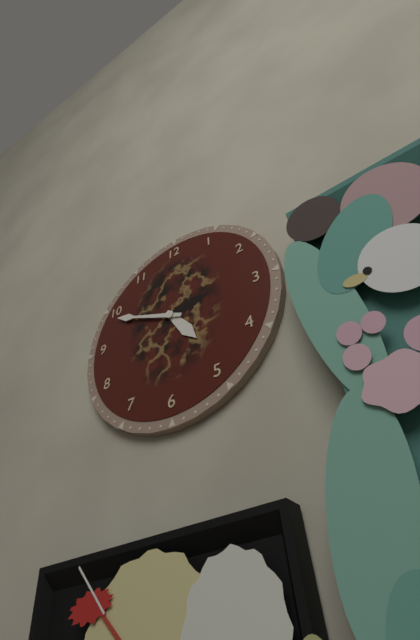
4 h 49 min
